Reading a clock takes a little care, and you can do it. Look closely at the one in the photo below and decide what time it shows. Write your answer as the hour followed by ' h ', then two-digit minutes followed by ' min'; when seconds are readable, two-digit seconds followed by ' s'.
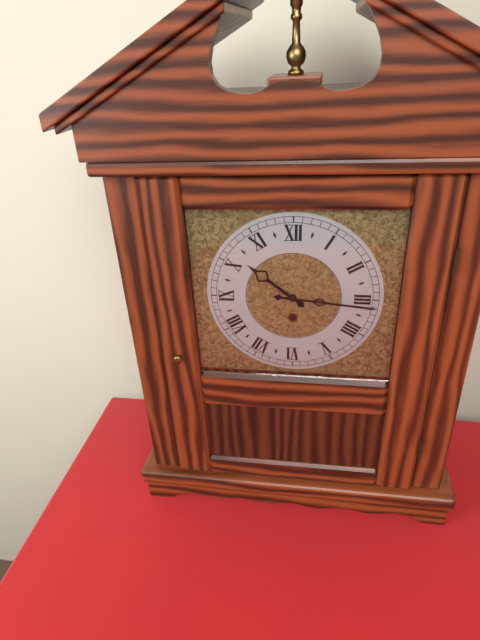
10 h 16 min
